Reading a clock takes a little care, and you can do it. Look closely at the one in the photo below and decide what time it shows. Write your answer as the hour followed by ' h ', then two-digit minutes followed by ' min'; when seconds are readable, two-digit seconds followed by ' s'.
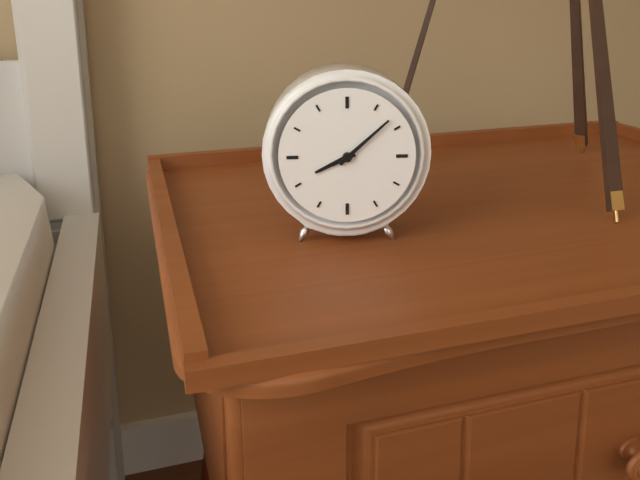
8 h 08 min
